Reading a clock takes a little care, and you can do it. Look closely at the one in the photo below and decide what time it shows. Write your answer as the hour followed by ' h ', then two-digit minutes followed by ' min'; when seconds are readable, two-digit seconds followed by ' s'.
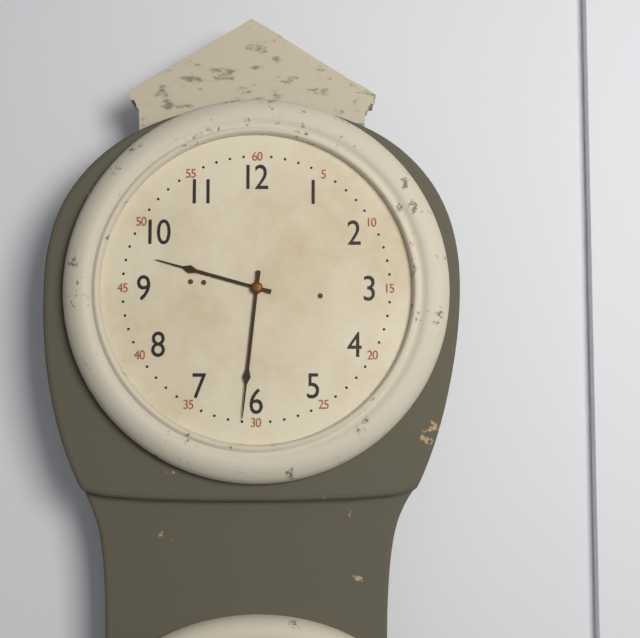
9 h 31 min
